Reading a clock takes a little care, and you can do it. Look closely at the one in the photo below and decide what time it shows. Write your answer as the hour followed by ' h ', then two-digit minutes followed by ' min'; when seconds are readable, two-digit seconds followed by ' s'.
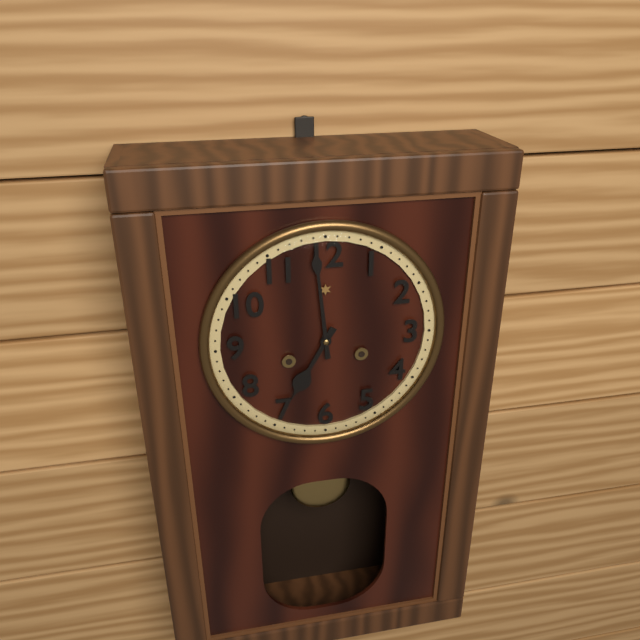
6 h 59 min
